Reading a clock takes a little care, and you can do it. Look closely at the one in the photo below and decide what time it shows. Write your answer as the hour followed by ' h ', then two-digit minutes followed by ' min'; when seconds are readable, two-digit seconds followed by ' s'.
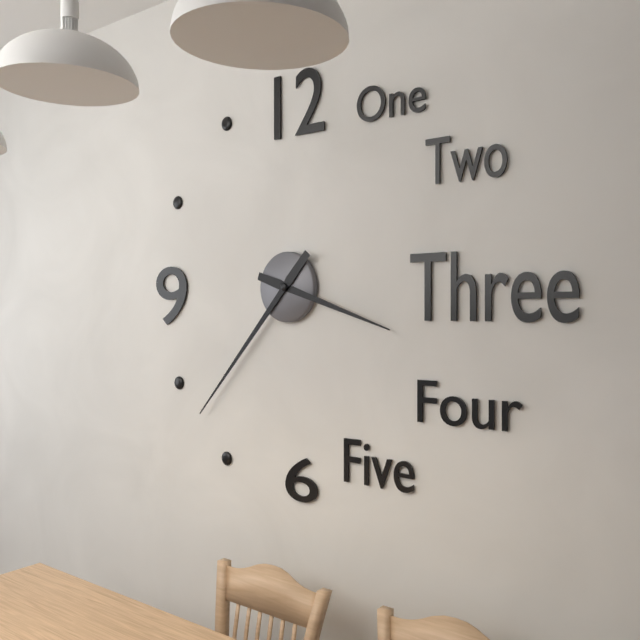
3 h 37 min
